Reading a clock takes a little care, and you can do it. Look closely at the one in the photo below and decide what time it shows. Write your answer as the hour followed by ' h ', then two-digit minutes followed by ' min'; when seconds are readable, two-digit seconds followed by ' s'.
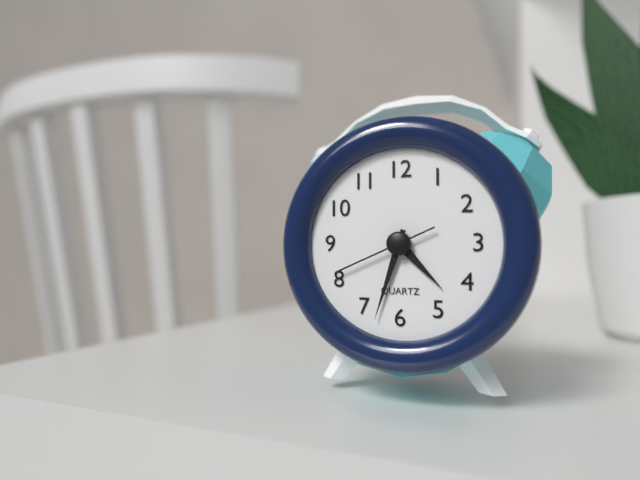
4 h 33 min 41 s
